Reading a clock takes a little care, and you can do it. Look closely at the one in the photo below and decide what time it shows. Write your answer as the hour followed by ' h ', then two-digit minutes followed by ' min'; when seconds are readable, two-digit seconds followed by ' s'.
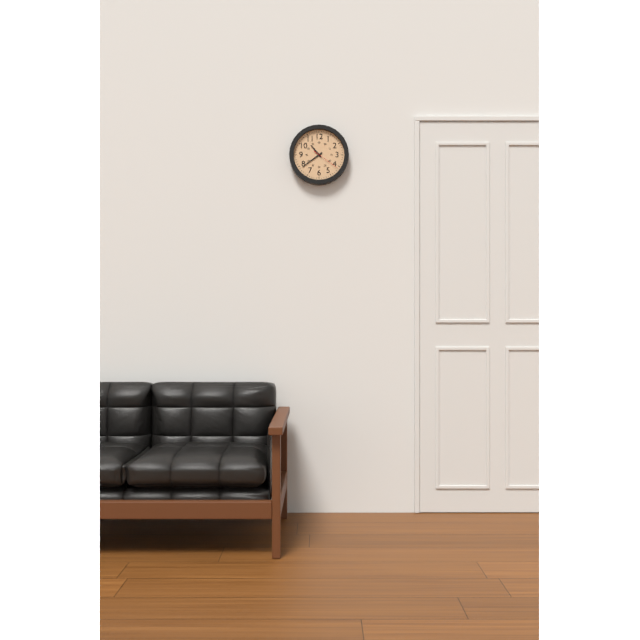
10 h 39 min
